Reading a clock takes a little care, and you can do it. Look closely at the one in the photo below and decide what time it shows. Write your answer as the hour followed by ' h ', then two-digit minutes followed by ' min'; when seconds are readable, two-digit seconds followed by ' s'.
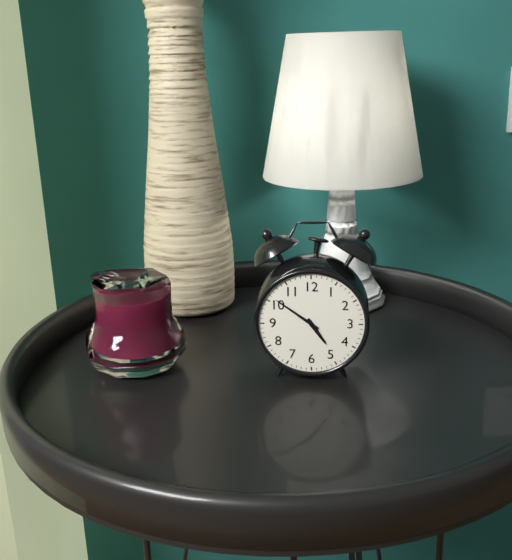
4 h 51 min
